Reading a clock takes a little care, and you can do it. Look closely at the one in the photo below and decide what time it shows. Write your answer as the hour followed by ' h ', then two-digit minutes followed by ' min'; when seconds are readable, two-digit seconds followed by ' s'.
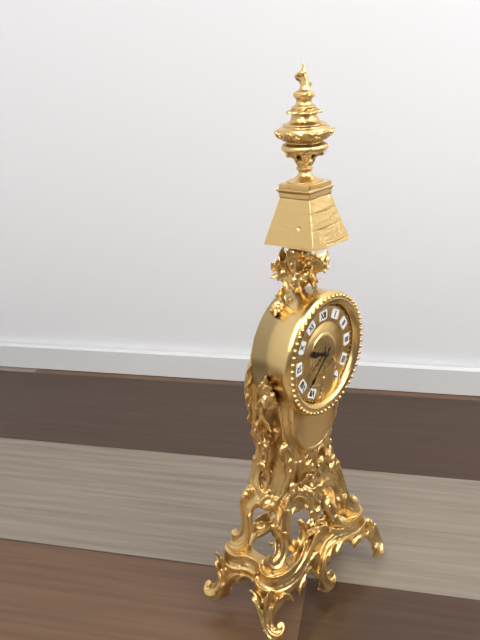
9 h 38 min
